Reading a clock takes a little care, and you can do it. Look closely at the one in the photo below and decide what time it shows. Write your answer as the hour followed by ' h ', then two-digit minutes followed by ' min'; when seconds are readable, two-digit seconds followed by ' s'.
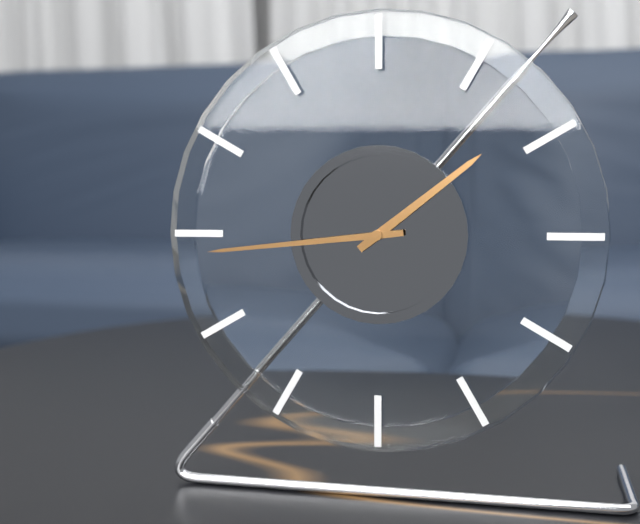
1 h 44 min
